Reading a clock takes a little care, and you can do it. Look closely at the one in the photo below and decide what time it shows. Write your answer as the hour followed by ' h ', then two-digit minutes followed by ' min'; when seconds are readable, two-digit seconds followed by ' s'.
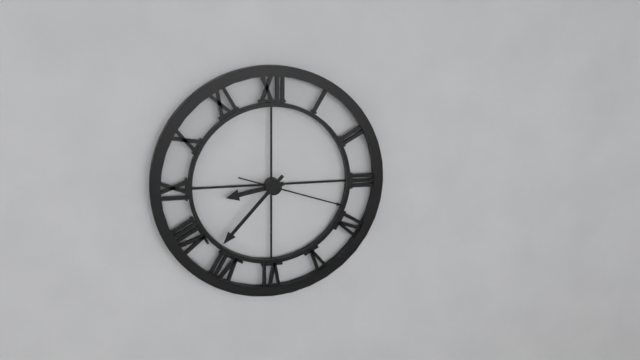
8 h 37 min 18 s
